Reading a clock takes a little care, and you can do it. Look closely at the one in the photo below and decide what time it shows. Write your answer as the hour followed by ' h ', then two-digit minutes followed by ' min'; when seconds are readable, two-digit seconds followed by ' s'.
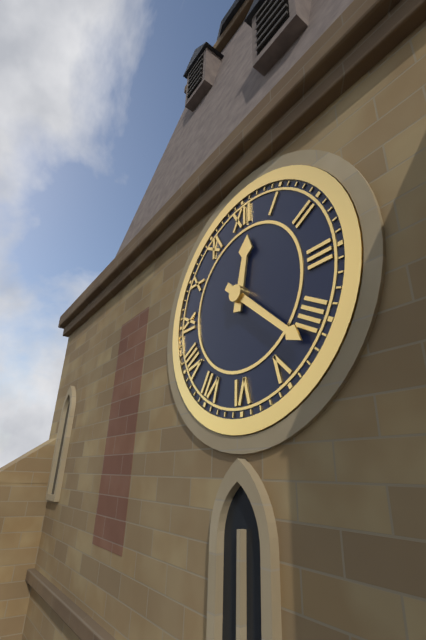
12 h 22 min
